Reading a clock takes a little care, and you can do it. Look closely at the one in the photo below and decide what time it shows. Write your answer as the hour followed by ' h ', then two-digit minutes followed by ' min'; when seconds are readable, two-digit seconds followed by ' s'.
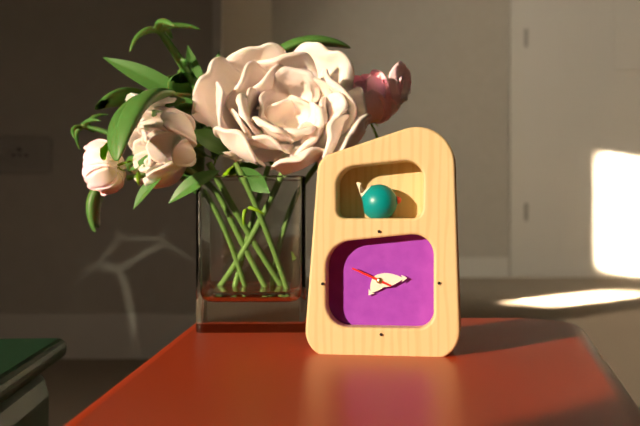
7 h 14 min
